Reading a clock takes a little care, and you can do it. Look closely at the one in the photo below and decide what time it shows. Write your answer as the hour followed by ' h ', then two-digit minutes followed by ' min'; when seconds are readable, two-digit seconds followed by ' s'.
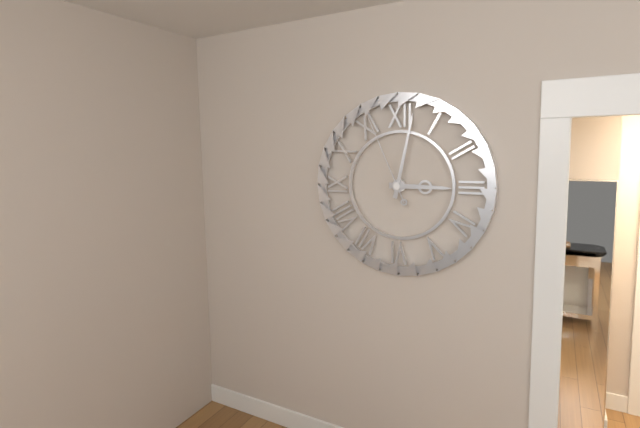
3 h 02 min 56 s
